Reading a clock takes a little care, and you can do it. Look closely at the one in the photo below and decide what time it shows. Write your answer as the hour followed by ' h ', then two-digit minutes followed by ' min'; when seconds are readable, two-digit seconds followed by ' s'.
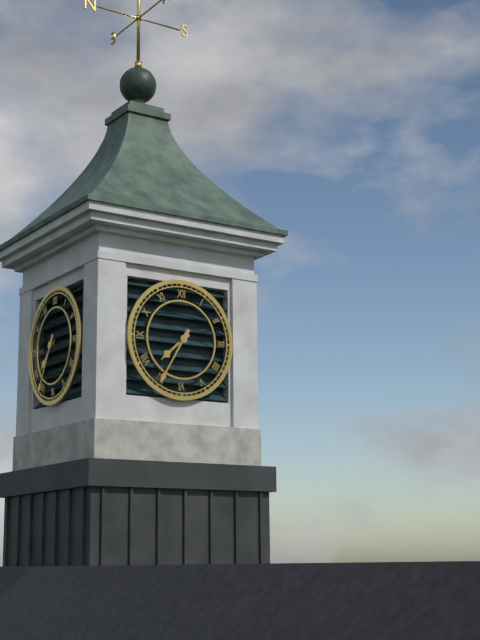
7 h 35 min
